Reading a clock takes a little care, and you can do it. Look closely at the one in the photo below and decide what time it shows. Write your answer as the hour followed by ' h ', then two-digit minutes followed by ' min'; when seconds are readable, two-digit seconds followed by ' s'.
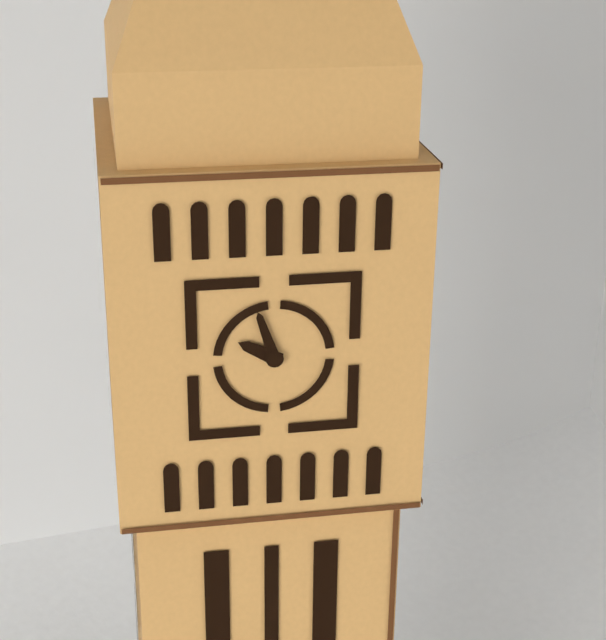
9 h 57 min
